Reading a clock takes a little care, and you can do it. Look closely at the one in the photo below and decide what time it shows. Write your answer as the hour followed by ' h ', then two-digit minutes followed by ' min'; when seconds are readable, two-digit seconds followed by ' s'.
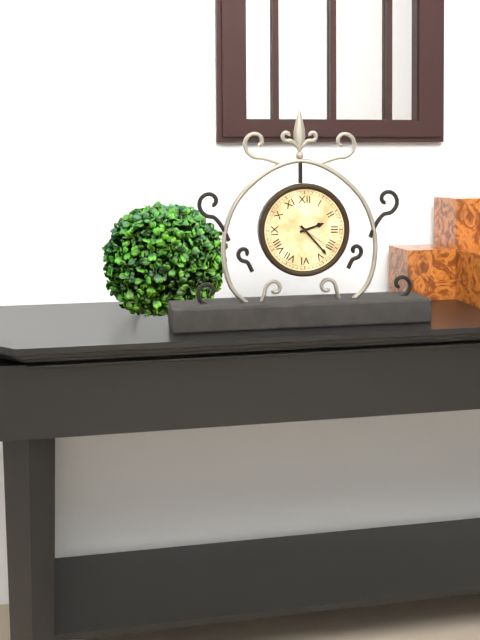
2 h 23 min
